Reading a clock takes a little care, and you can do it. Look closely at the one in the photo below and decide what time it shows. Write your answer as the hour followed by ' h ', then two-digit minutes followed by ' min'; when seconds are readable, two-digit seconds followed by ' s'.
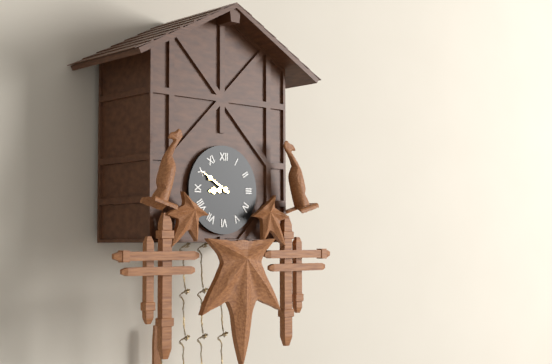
8 h 50 min
